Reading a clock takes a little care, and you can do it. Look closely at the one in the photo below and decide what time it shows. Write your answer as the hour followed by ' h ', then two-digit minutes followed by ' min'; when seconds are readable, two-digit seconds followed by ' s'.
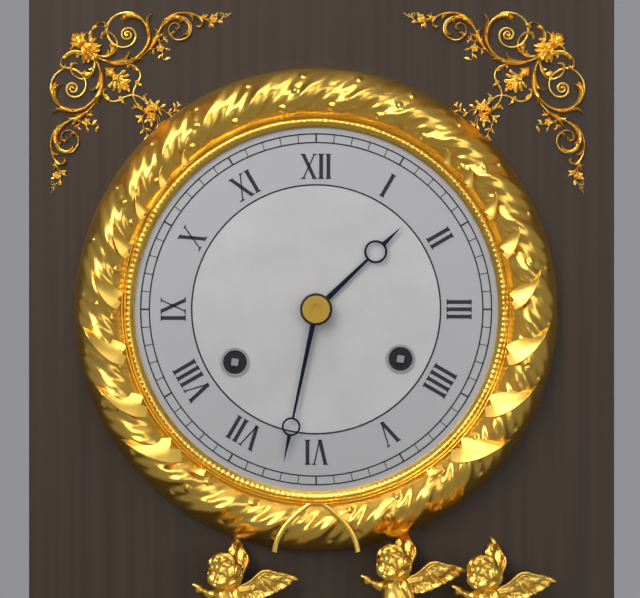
1 h 32 min
